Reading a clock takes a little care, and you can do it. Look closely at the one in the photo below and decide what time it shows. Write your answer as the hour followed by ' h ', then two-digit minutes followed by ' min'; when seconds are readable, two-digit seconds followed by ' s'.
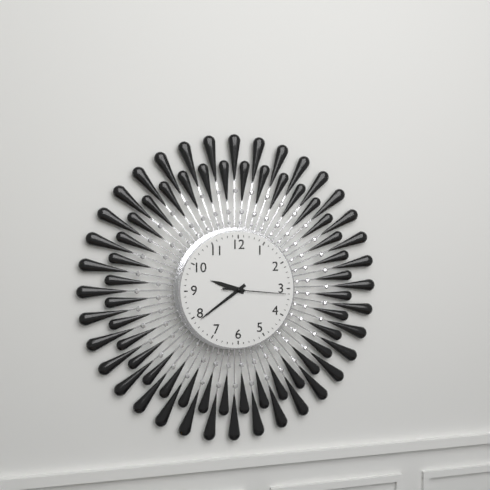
9 h 39 min 16 s
